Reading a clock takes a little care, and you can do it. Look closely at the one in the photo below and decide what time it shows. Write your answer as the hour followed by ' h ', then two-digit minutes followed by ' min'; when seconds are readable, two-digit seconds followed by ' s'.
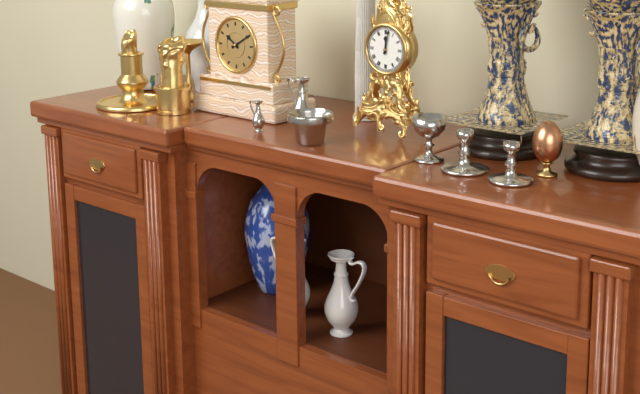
12 h 02 min
